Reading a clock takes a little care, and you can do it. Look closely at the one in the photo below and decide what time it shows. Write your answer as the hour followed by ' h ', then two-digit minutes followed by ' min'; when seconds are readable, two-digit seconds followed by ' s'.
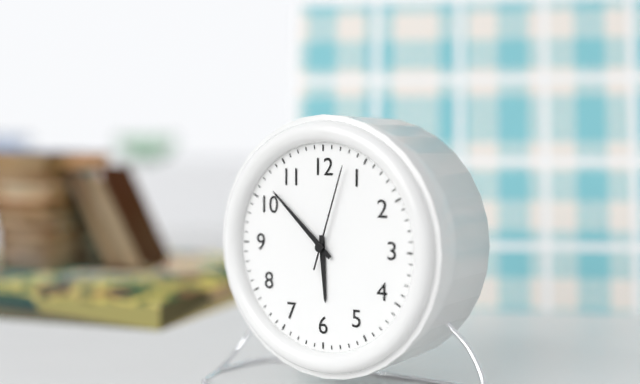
5 h 52 min 03 s
